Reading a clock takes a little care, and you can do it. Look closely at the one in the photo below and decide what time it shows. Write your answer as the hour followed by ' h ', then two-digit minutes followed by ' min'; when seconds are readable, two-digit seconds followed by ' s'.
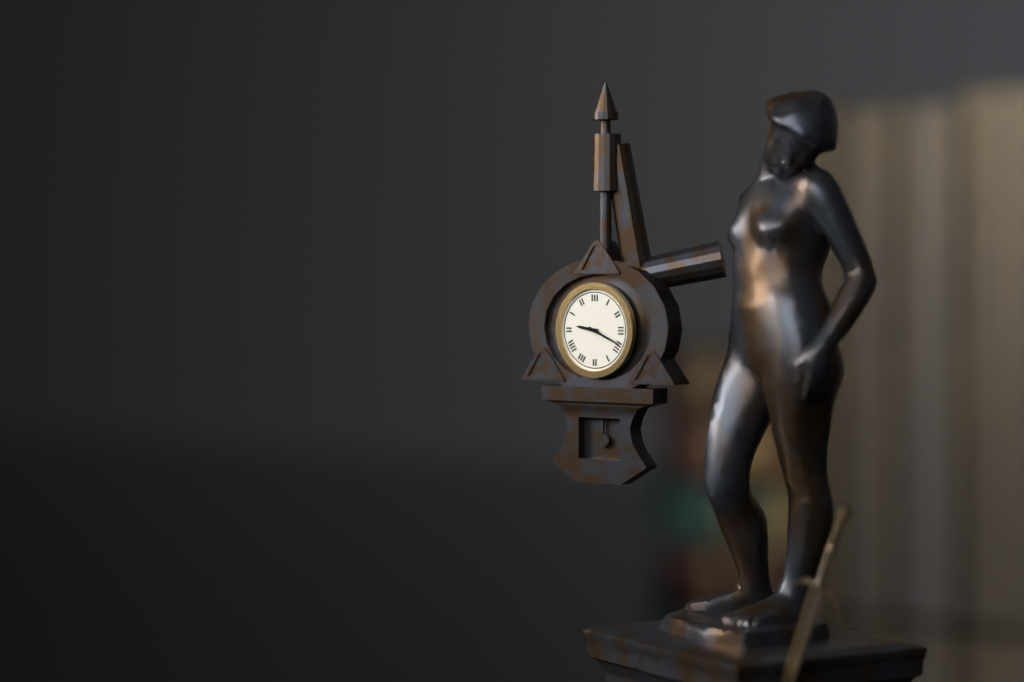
9 h 19 min
